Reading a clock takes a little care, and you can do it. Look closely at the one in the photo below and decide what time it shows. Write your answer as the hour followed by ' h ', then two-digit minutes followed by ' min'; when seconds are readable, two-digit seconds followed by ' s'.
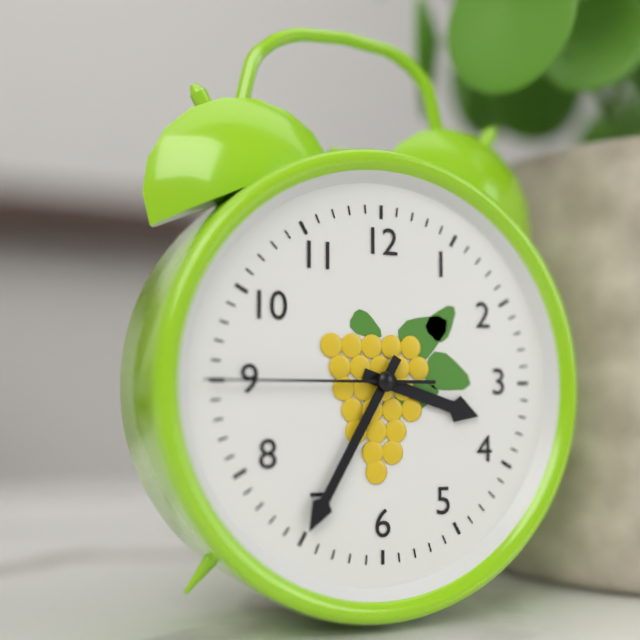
3 h 35 min 45 s
